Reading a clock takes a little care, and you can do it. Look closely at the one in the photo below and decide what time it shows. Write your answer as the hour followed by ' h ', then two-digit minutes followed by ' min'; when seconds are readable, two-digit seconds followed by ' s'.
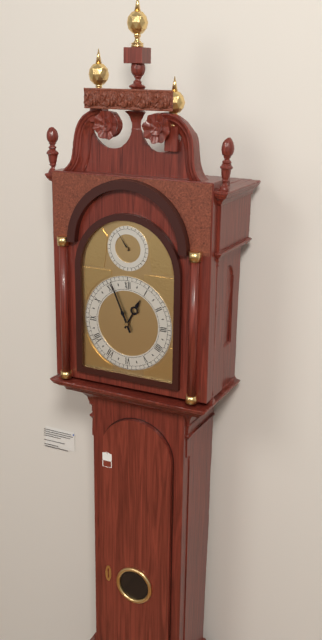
12 h 56 min
